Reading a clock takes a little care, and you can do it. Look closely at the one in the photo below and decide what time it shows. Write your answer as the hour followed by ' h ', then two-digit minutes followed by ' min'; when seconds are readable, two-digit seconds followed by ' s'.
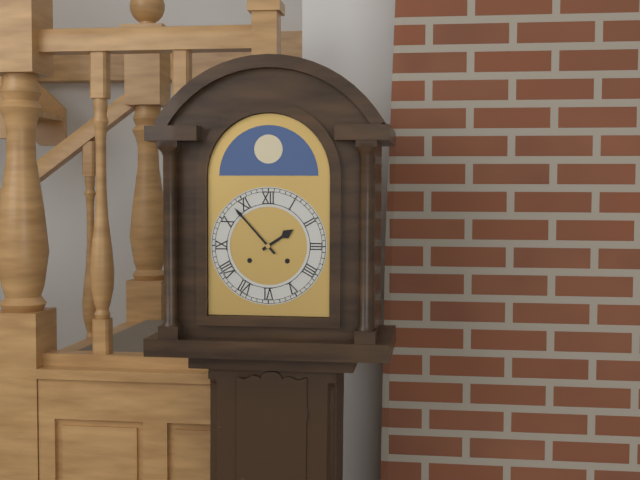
1 h 53 min
